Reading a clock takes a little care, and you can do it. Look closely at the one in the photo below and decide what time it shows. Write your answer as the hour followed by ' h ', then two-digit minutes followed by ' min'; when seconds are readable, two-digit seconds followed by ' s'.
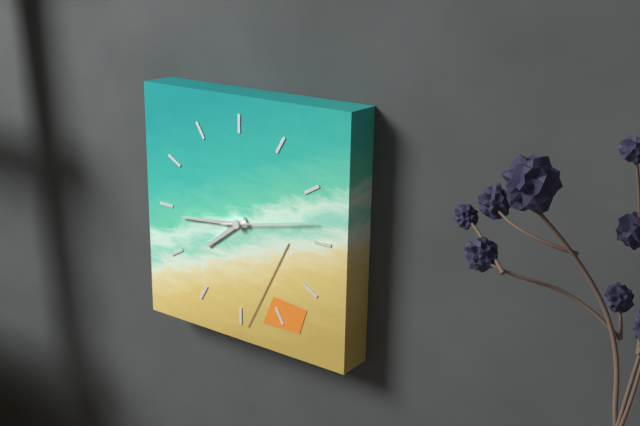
7 h 44 min 13 s
